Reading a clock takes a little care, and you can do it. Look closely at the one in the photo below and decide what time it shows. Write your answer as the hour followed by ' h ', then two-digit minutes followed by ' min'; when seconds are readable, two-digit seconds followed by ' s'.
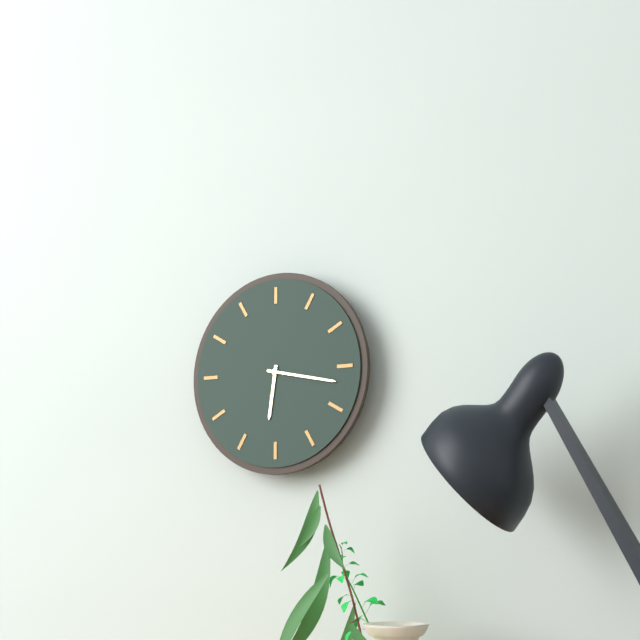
6 h 17 min
